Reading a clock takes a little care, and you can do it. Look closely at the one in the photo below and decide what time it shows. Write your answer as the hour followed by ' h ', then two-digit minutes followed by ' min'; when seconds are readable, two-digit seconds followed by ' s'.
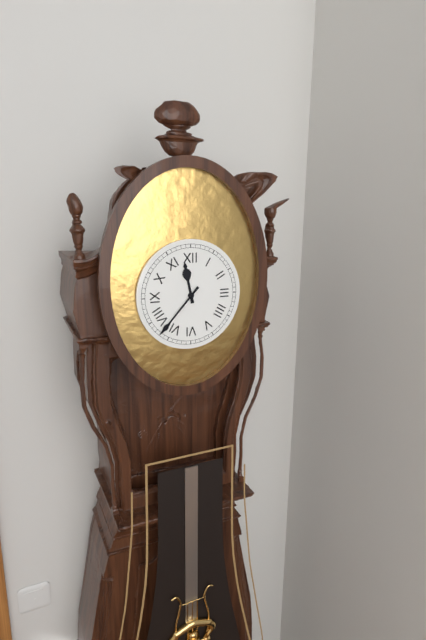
11 h 37 min
